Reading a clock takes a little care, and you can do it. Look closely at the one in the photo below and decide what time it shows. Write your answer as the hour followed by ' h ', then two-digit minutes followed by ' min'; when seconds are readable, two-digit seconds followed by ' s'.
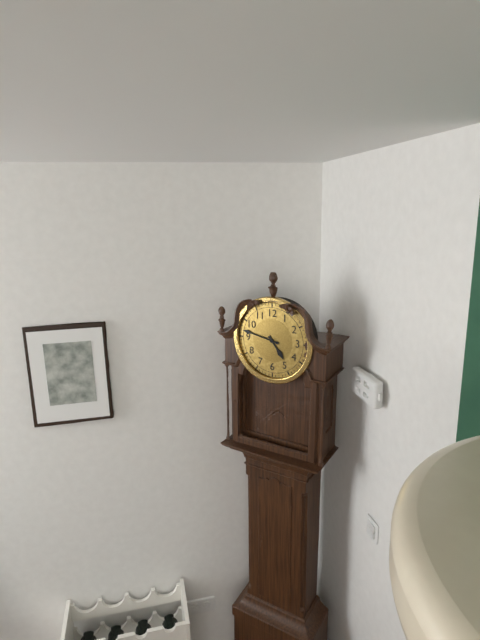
4 h 47 min
